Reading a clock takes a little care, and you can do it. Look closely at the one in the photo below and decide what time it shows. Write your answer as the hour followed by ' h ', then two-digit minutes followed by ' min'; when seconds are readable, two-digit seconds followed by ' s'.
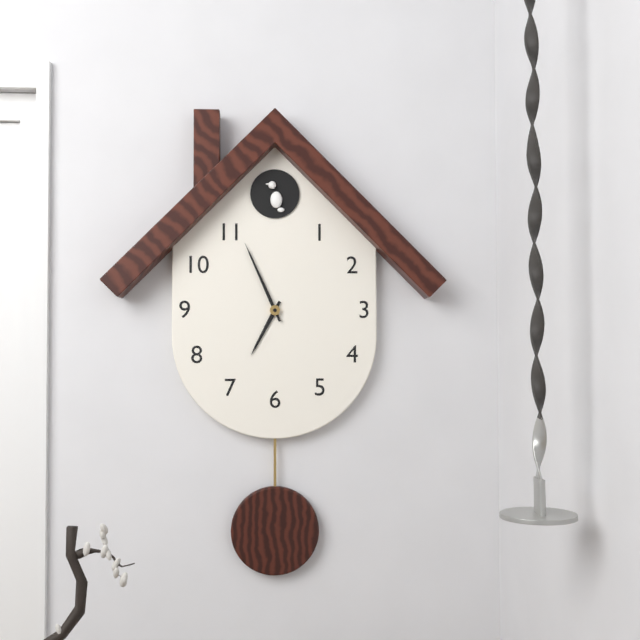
6 h 56 min
